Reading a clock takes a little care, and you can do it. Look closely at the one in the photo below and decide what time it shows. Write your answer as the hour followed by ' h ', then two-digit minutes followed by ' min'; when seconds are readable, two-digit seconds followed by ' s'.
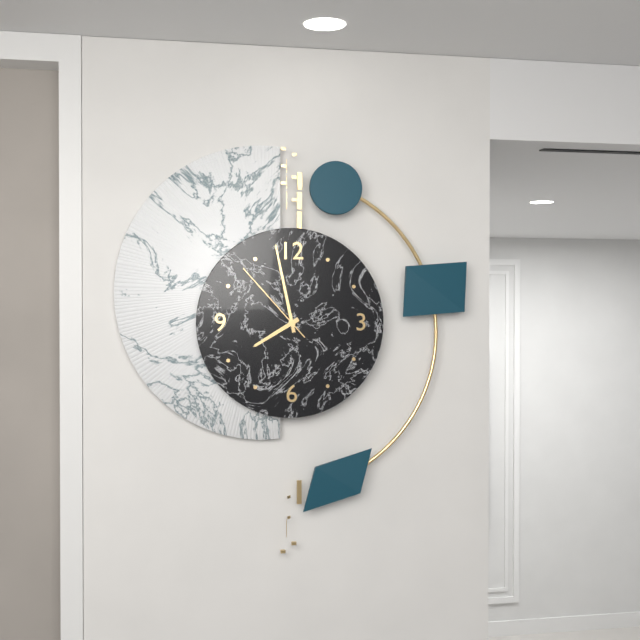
7 h 58 min 53 s
